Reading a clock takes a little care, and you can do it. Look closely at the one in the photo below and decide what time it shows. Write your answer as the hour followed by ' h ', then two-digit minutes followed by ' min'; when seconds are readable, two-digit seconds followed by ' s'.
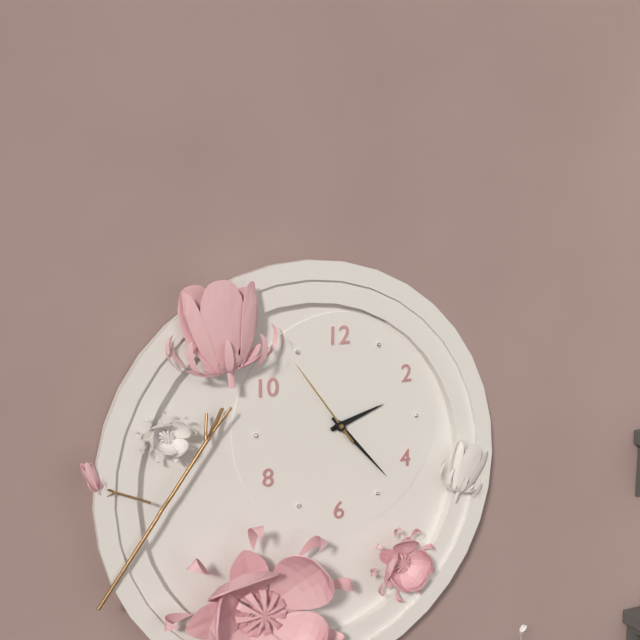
2 h 23 min 54 s
